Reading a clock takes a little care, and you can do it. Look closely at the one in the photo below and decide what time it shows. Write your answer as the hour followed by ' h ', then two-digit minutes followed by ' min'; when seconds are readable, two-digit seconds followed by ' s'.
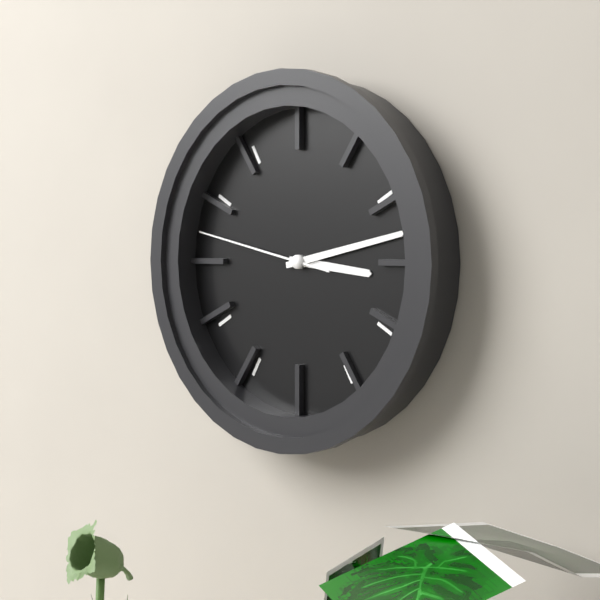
3 h 13 min 47 s
